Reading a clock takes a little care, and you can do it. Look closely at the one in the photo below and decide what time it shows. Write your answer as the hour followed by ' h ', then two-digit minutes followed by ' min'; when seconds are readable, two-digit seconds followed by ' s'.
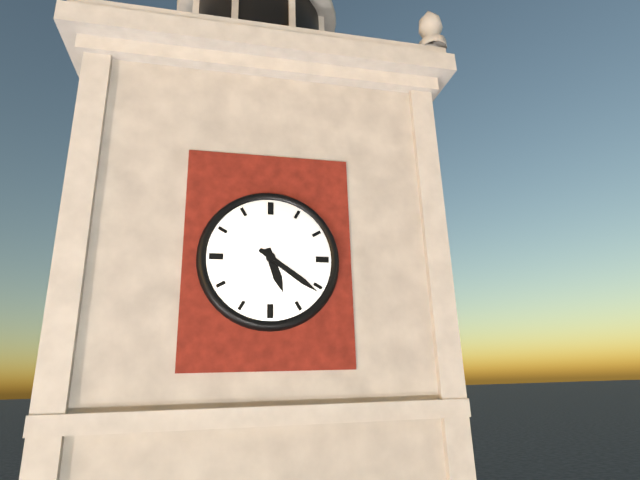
5 h 21 min
